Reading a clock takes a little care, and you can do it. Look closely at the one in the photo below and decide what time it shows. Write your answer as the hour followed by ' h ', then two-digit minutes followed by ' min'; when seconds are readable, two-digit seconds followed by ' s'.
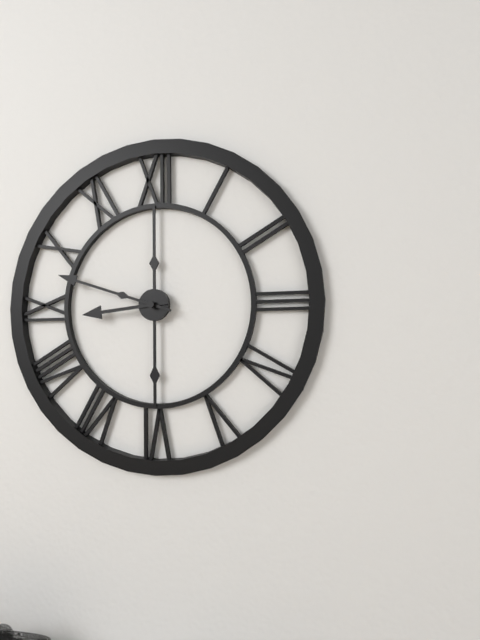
8 h 48 min
